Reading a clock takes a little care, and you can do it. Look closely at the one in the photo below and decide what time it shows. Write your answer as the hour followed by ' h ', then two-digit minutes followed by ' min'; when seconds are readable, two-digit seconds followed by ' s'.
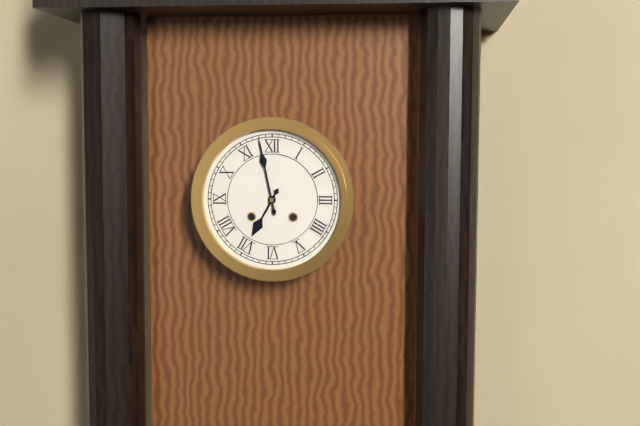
6 h 58 min
